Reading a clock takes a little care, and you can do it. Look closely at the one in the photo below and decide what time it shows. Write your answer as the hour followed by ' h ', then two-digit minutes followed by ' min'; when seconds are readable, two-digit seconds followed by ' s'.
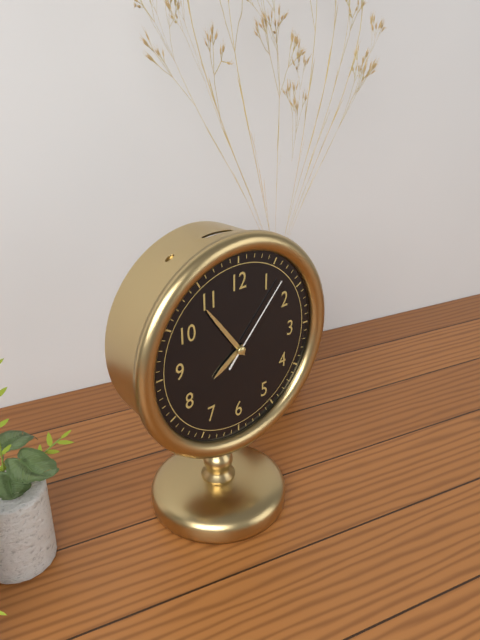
7 h 54 min 07 s
